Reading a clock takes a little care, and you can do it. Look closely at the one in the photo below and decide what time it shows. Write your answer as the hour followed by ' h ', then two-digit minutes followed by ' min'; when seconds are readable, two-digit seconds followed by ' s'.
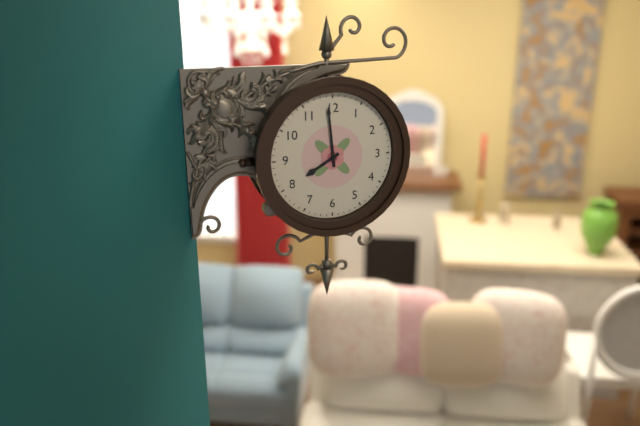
7 h 59 min
